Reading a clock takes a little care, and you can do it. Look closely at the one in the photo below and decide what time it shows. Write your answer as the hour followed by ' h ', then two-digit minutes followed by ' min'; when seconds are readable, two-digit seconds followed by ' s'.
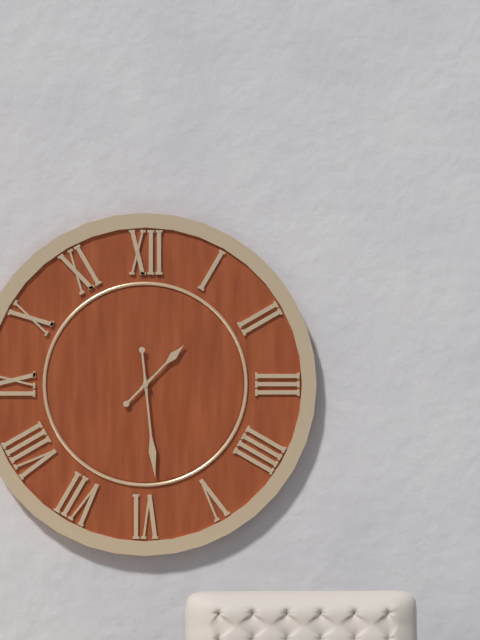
1 h 29 min
